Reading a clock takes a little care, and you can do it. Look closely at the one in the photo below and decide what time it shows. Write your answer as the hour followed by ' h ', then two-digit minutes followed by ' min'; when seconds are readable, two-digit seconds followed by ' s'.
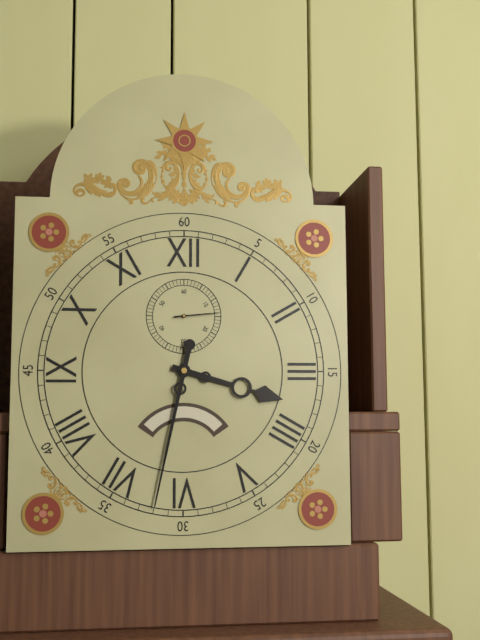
3 h 32 min
